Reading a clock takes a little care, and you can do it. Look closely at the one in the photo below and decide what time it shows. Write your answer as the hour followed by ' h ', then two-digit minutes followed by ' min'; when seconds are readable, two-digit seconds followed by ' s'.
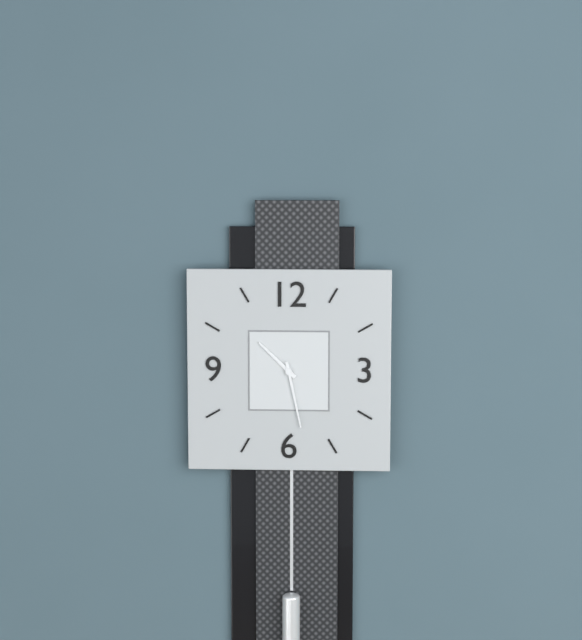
10 h 28 min
